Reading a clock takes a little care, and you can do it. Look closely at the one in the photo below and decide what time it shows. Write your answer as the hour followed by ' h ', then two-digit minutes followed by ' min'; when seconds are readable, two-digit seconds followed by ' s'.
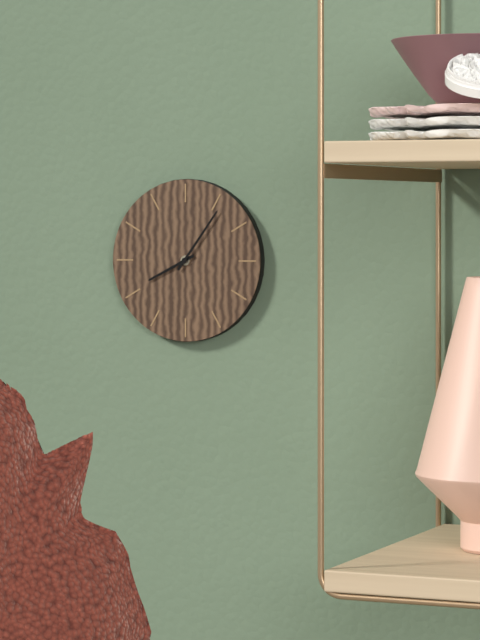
8 h 06 min
